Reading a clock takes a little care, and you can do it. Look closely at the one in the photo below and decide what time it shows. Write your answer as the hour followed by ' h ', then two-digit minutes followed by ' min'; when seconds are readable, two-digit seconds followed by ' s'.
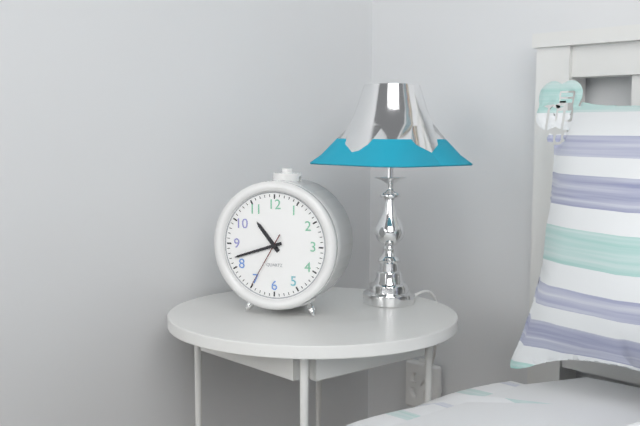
10 h 42 min 35 s
